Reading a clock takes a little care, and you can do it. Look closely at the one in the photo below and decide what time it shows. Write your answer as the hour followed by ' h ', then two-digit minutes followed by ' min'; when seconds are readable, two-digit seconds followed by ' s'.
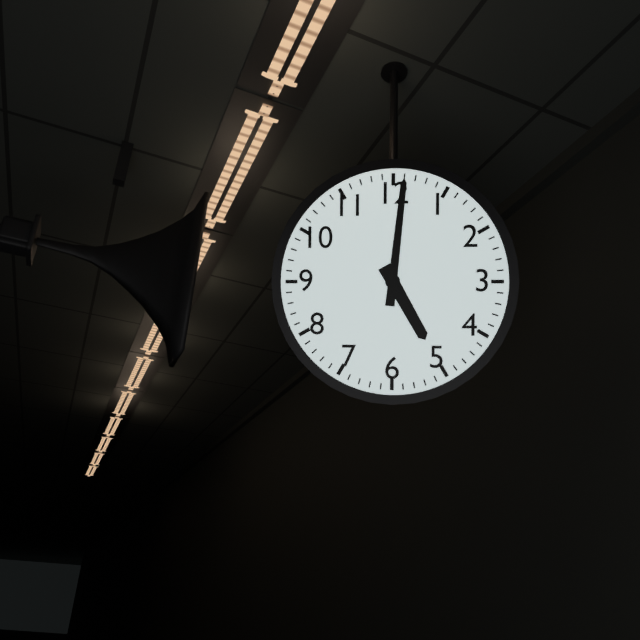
5 h 01 min
